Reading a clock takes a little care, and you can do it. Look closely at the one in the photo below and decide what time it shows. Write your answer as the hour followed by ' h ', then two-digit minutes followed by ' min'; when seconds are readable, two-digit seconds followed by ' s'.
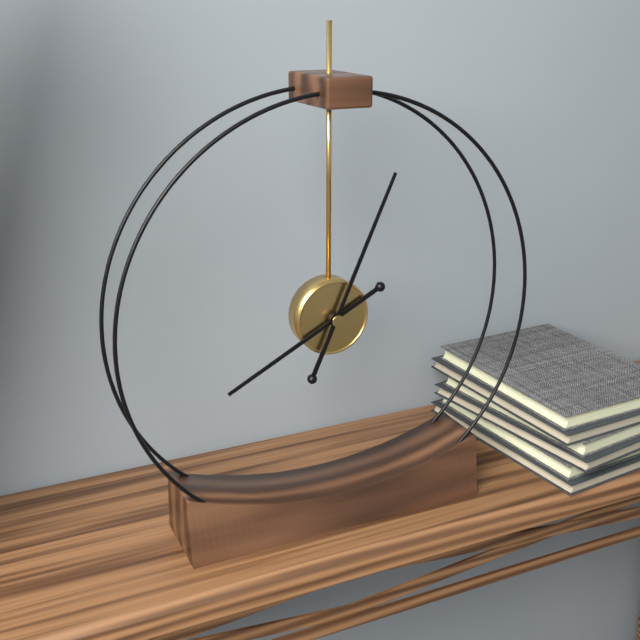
8 h 04 min
